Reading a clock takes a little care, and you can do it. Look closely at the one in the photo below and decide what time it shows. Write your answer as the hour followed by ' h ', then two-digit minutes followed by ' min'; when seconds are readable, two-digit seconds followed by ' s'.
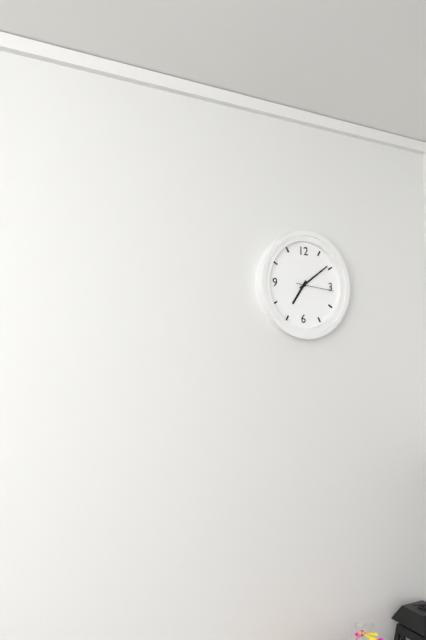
7 h 09 min
